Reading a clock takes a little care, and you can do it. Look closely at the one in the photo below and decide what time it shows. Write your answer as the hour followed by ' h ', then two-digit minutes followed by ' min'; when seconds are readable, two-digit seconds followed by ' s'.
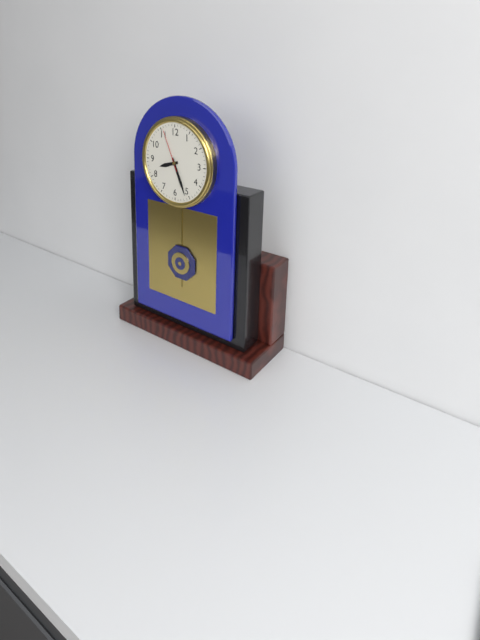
8 h 26 min
